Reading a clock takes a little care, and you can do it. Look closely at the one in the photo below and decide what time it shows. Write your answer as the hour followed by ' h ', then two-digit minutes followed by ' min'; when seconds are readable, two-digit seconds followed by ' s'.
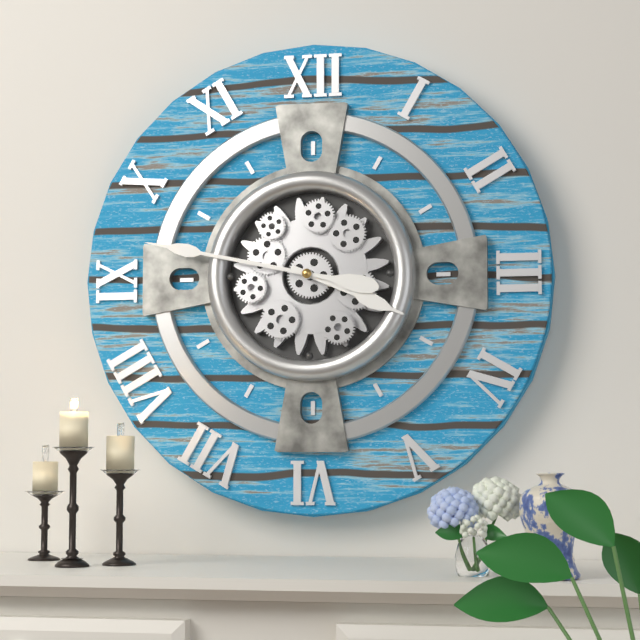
3 h 47 min
